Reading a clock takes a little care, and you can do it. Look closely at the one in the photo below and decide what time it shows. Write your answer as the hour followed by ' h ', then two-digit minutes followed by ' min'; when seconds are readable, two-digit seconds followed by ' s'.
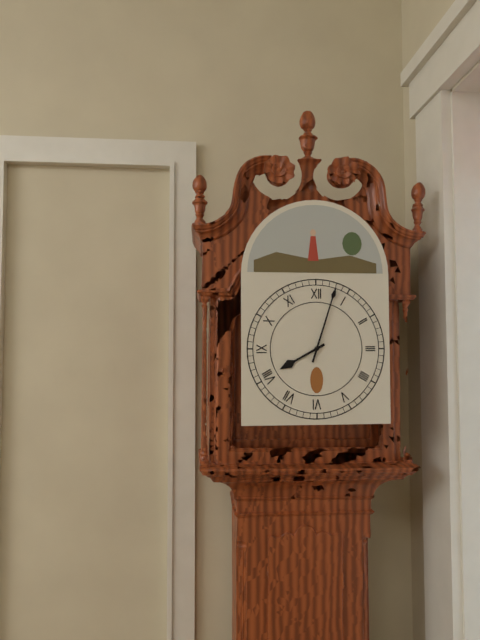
8 h 03 min
